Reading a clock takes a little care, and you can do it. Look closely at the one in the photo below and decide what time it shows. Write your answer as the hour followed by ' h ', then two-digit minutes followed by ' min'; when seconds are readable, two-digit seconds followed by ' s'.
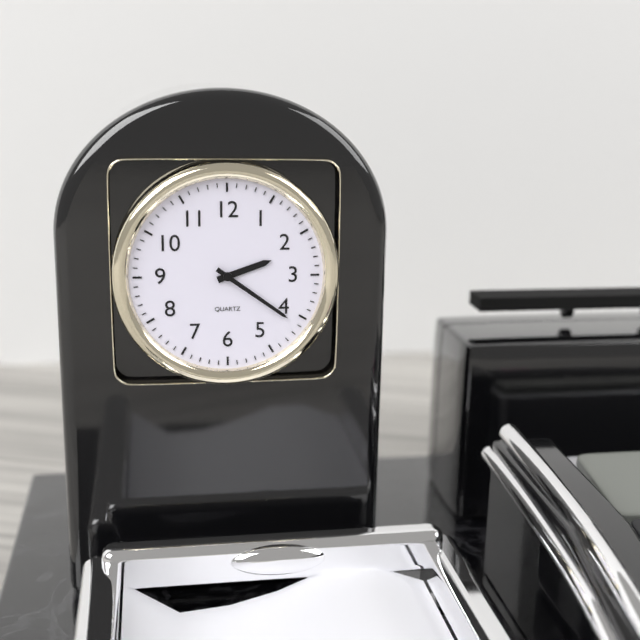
2 h 21 min
